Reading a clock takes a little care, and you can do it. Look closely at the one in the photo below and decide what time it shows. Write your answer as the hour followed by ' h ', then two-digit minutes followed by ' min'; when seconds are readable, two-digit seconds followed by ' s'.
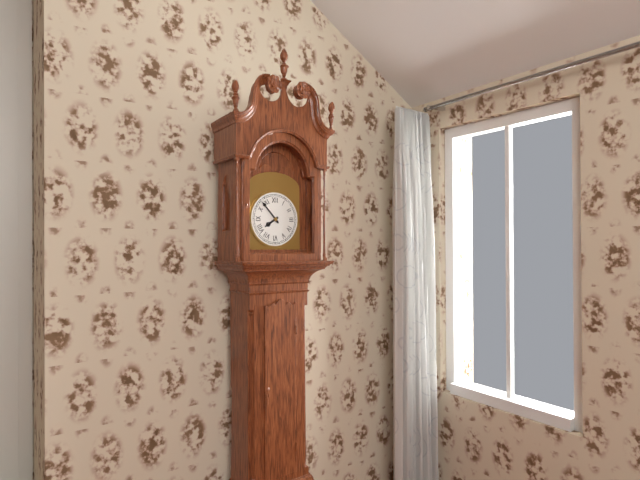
7 h 53 min
